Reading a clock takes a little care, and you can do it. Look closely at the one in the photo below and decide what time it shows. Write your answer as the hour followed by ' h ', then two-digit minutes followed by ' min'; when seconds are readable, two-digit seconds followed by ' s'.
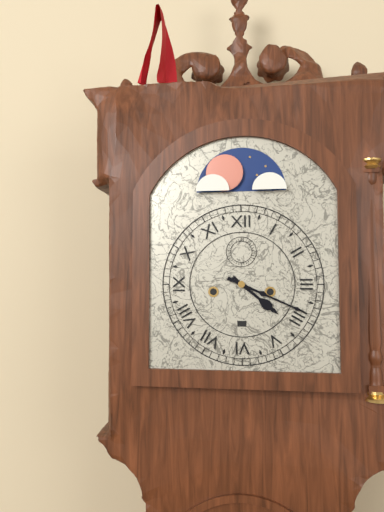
4 h 19 min
